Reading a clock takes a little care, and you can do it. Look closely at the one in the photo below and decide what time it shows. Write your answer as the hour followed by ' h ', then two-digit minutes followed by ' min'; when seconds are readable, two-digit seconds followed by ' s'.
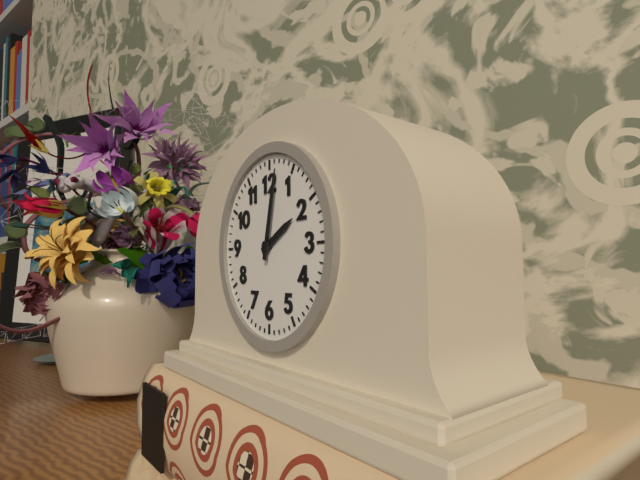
2 h 02 min
